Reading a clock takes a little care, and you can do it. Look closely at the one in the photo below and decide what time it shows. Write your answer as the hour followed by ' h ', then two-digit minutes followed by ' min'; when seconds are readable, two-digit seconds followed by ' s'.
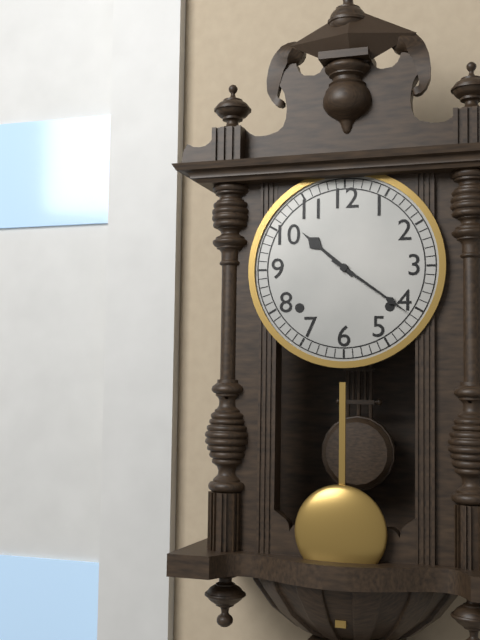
10 h 21 min
